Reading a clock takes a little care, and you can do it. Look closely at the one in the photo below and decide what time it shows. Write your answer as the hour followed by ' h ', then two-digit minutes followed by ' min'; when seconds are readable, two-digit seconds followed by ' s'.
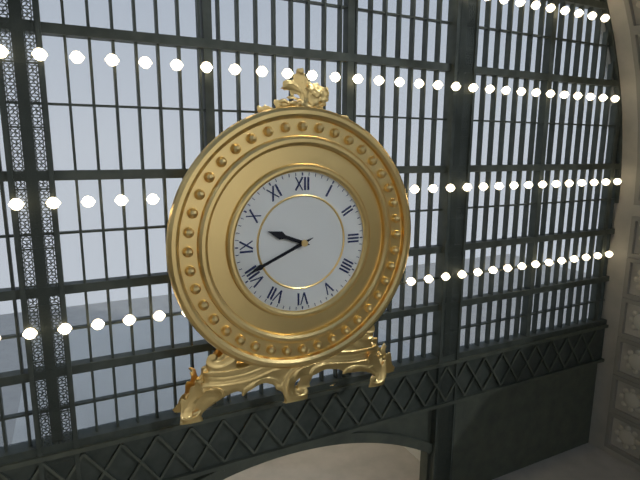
9 h 41 min
